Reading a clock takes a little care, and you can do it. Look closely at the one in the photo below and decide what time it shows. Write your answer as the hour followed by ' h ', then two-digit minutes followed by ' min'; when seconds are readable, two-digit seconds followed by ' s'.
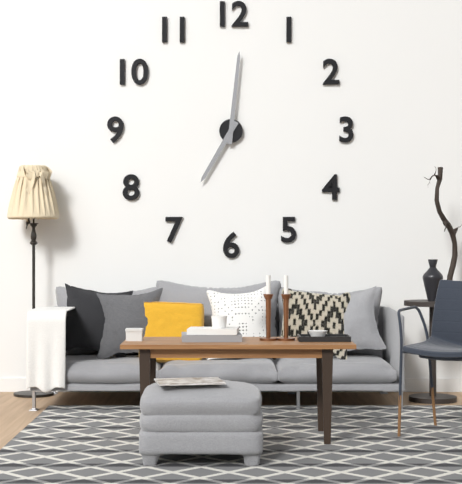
7 h 01 min
